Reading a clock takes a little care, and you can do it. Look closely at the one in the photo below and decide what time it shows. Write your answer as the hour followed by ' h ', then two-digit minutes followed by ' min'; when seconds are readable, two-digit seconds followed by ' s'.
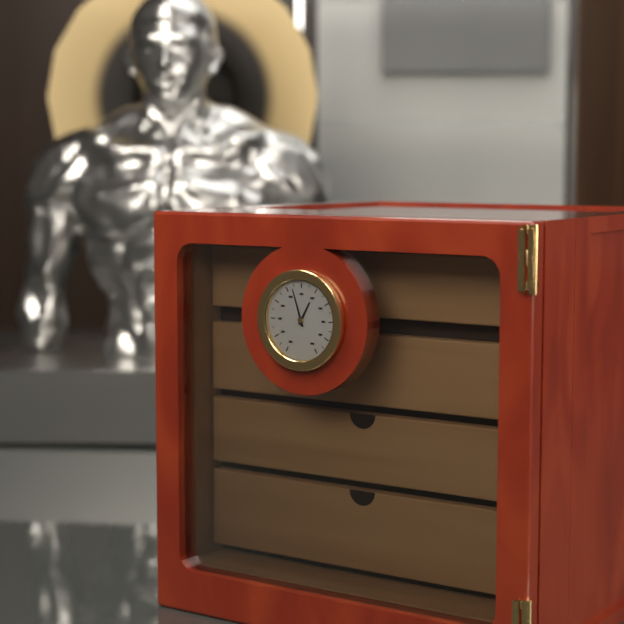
12 h 57 min
